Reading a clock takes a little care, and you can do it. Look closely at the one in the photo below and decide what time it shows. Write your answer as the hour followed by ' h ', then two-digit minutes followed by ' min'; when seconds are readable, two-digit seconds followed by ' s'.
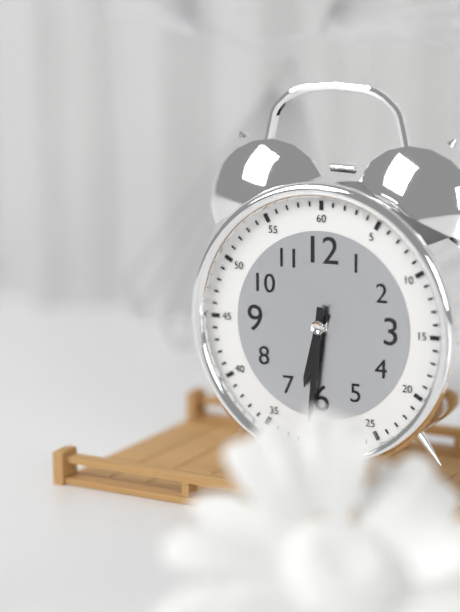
6 h 31 min
